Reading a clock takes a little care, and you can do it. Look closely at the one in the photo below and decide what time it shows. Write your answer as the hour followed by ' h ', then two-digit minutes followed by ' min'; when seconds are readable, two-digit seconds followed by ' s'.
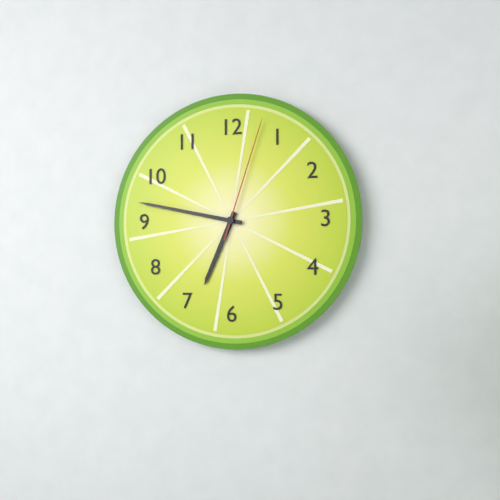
6 h 47 min 03 s
